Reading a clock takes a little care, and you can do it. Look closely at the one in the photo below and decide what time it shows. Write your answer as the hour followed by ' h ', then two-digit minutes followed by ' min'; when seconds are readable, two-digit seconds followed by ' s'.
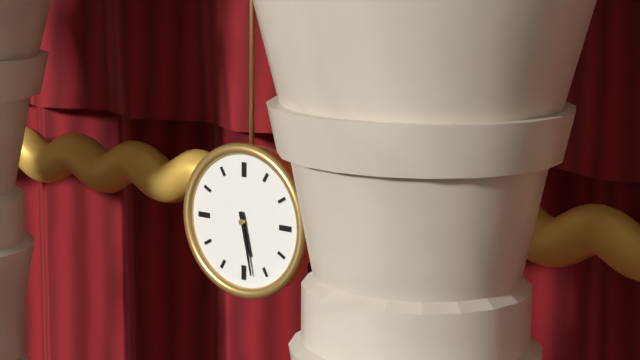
5 h 28 min
